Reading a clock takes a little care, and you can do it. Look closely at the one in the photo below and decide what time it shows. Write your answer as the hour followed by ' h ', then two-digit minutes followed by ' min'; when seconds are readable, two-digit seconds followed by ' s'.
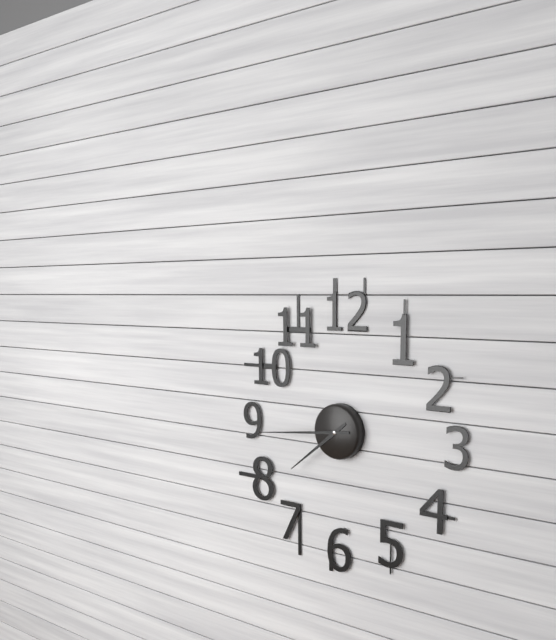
7 h 44 min
